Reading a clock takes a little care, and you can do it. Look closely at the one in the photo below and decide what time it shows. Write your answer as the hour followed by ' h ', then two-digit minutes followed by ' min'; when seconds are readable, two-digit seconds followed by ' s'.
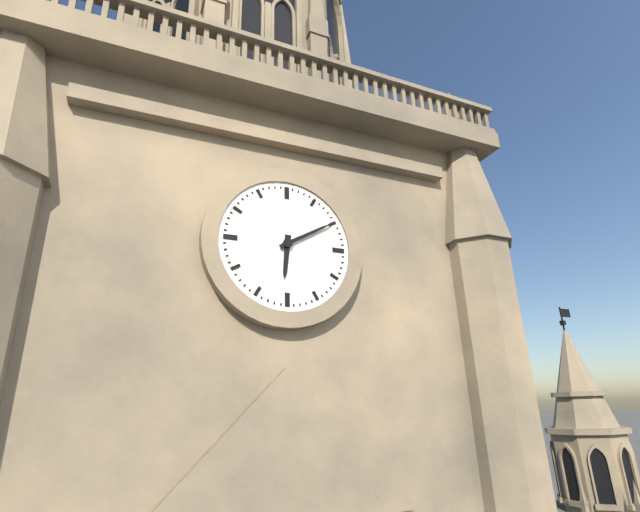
6 h 10 min
